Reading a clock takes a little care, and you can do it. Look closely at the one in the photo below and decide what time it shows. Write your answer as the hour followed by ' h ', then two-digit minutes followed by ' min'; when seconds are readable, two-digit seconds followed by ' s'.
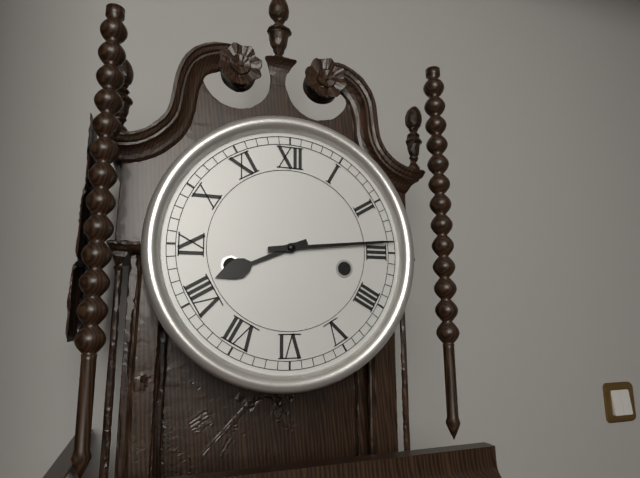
8 h 14 min
